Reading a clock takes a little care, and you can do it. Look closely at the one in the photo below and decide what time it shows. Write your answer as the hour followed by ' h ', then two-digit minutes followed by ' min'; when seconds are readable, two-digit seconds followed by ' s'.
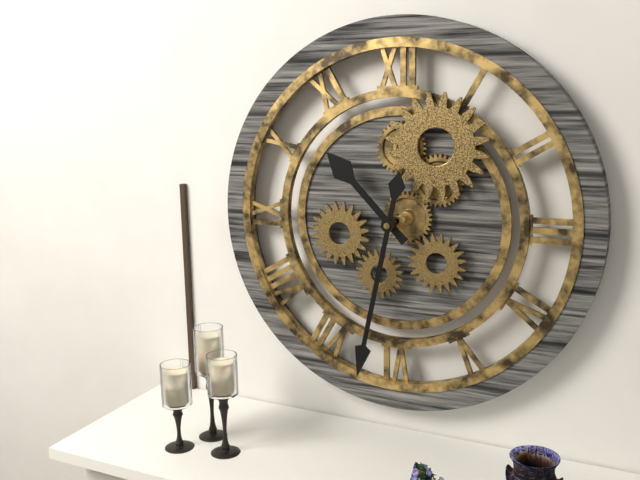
10 h 32 min
